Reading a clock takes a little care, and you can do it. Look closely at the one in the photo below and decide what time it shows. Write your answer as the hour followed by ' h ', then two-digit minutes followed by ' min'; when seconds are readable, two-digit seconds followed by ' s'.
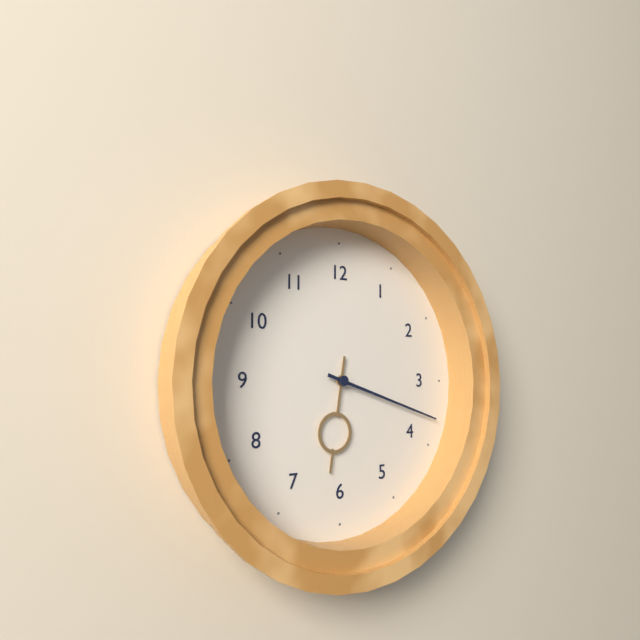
6 h 18 min
